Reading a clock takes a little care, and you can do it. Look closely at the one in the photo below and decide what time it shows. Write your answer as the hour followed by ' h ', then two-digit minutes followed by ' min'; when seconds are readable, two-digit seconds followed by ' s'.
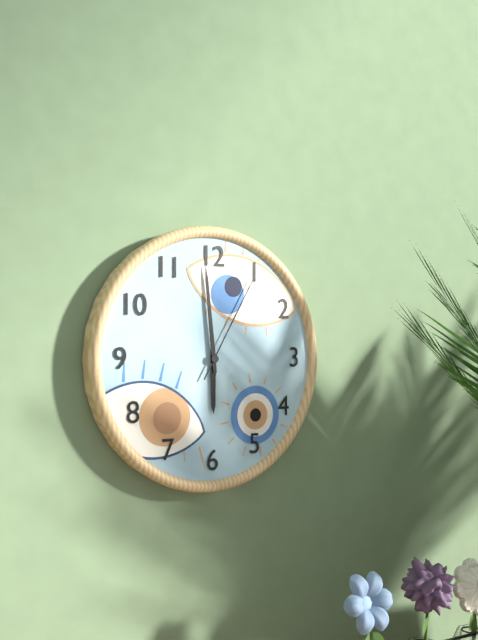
5 h 59 min 05 s
